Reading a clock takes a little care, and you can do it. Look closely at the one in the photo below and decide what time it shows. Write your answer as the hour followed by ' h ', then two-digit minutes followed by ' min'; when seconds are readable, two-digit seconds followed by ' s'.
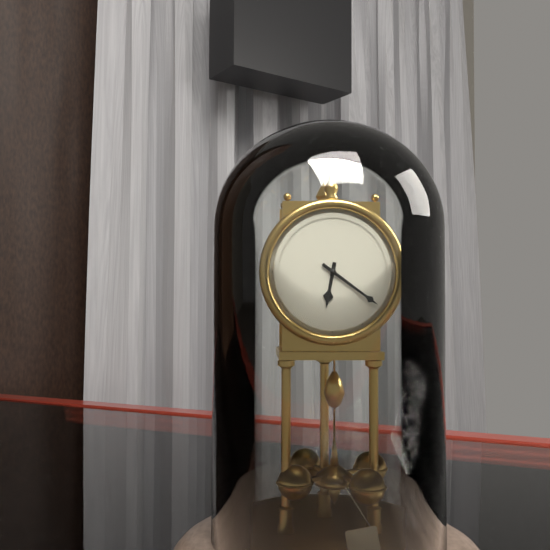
6 h 21 min
